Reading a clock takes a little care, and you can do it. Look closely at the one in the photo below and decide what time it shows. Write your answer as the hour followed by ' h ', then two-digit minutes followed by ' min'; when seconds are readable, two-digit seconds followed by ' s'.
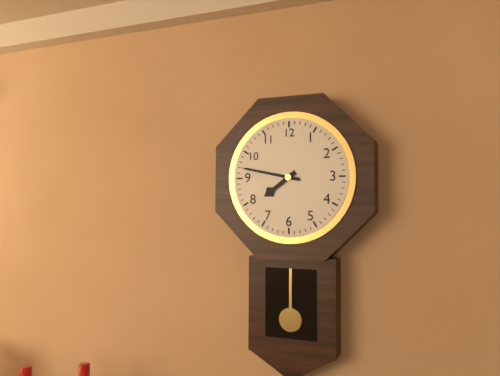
7 h 47 min
